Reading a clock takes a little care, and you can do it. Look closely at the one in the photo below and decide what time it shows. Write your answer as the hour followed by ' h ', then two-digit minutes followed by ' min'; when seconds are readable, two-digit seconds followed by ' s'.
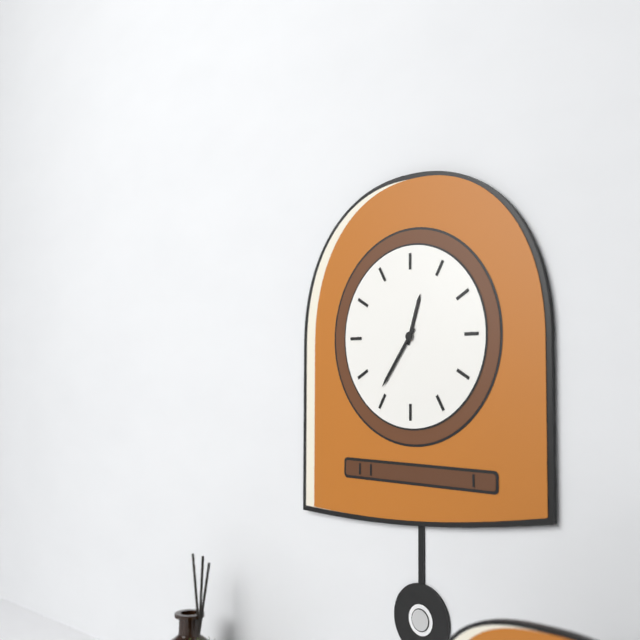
12 h 36 min
